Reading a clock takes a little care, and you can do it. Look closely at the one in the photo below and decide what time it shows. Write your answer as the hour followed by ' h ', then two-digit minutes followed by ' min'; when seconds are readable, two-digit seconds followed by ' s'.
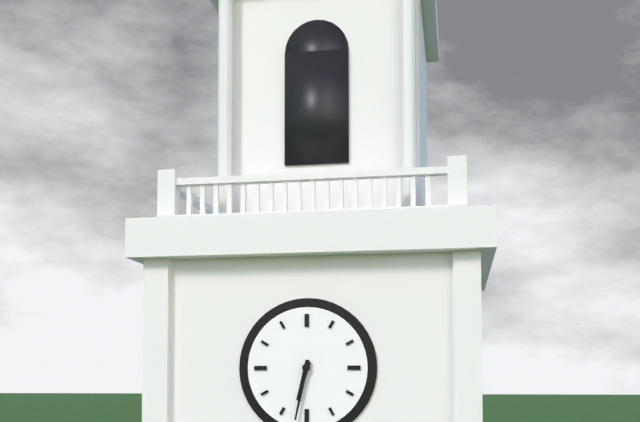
6 h 32 min
